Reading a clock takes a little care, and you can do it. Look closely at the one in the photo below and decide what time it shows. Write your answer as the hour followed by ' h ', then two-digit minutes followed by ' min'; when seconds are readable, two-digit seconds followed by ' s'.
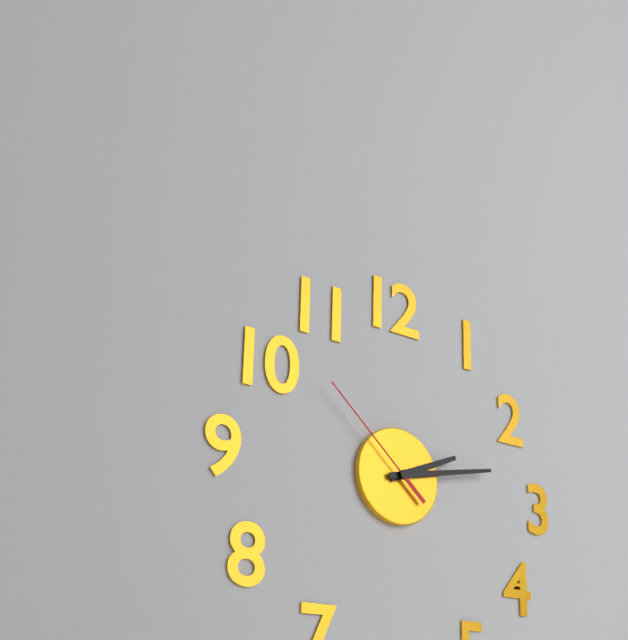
2 h 13 min 52 s
